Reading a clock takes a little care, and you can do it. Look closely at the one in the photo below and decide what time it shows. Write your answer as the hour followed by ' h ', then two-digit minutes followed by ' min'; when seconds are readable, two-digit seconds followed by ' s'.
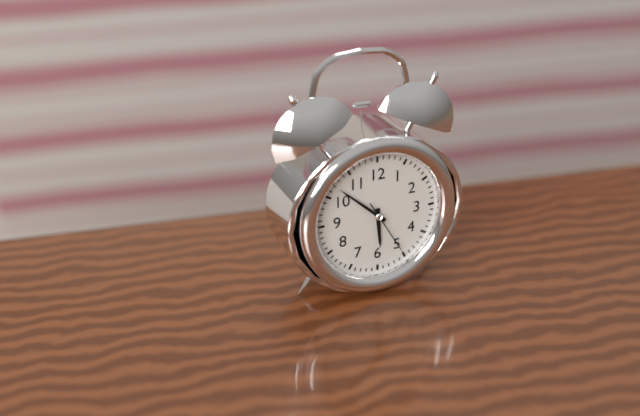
5 h 52 min 25 s
